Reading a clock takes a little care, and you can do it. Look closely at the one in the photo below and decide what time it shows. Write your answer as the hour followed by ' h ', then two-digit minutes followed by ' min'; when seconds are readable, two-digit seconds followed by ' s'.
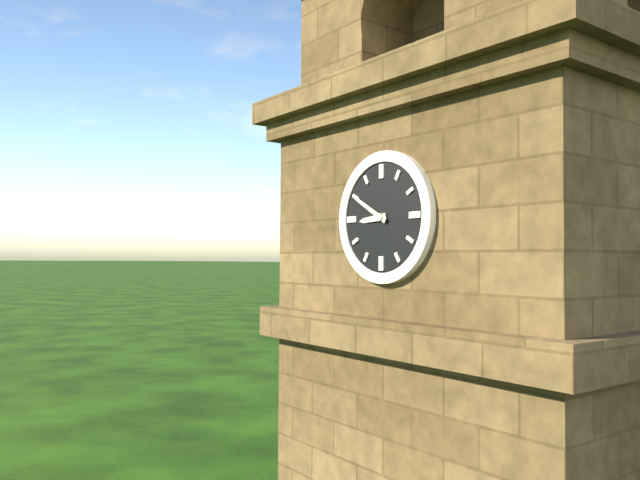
8 h 50 min
